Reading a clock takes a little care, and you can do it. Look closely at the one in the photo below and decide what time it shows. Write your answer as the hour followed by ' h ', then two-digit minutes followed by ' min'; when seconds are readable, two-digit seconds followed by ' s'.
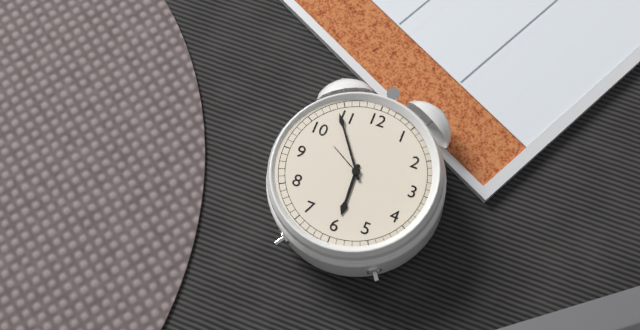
5 h 54 min
